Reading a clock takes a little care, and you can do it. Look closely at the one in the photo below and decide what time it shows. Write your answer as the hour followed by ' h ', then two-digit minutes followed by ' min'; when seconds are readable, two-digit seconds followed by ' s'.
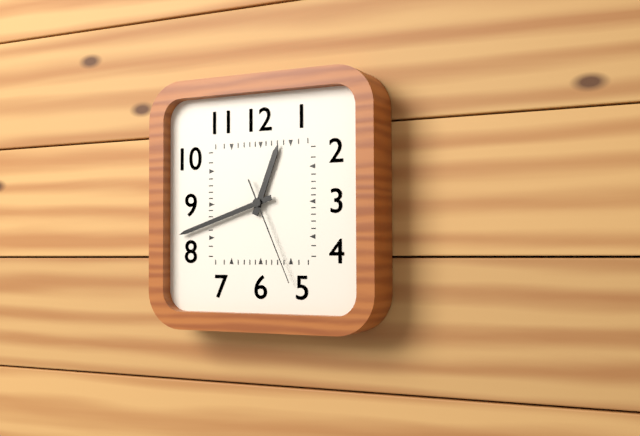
12 h 42 min 26 s
